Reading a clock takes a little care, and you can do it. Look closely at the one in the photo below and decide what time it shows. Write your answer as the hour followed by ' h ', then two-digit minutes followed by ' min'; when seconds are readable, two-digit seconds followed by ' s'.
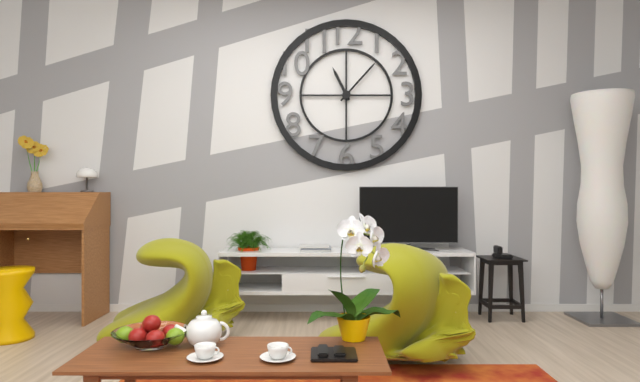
11 h 07 min
